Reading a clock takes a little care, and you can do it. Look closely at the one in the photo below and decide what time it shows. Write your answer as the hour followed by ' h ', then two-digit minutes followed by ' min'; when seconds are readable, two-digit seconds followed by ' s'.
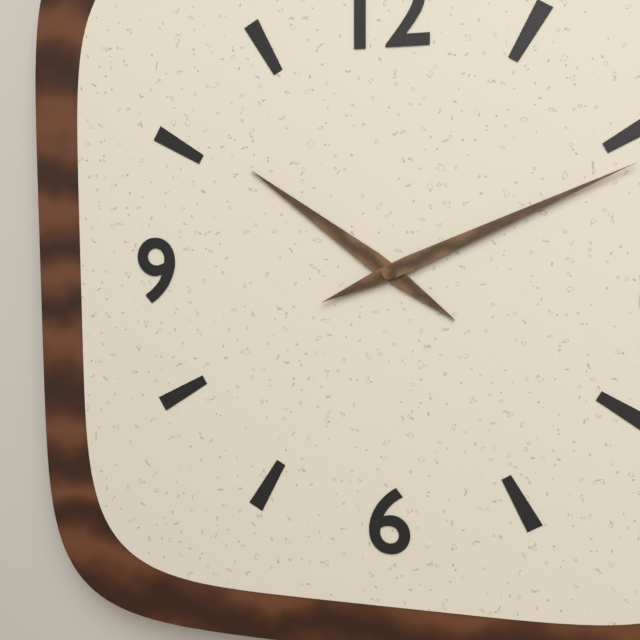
10 h 11 min
